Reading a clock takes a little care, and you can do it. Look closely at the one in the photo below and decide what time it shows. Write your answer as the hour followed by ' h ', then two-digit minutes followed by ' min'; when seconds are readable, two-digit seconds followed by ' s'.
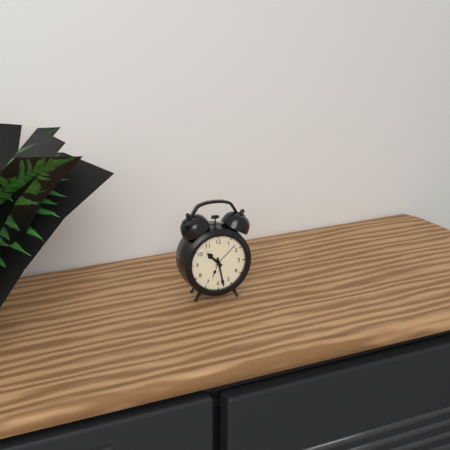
10 h 28 min
